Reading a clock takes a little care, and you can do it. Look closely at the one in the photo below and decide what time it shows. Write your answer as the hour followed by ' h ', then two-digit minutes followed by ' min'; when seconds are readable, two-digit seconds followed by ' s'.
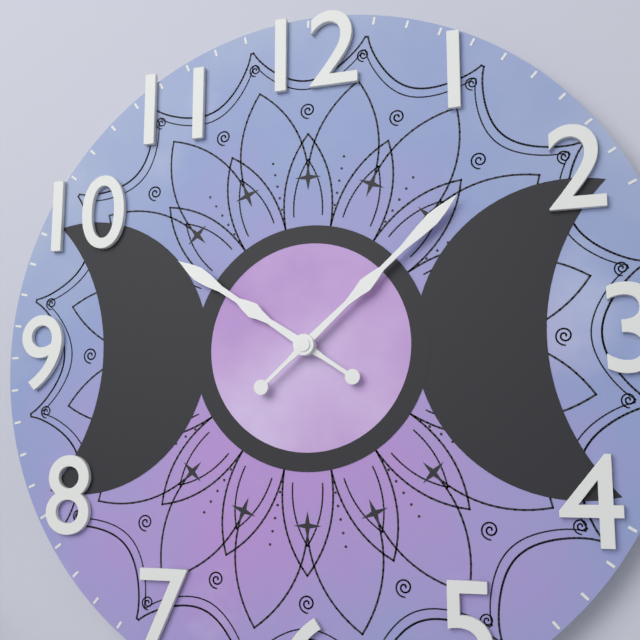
10 h 08 min
